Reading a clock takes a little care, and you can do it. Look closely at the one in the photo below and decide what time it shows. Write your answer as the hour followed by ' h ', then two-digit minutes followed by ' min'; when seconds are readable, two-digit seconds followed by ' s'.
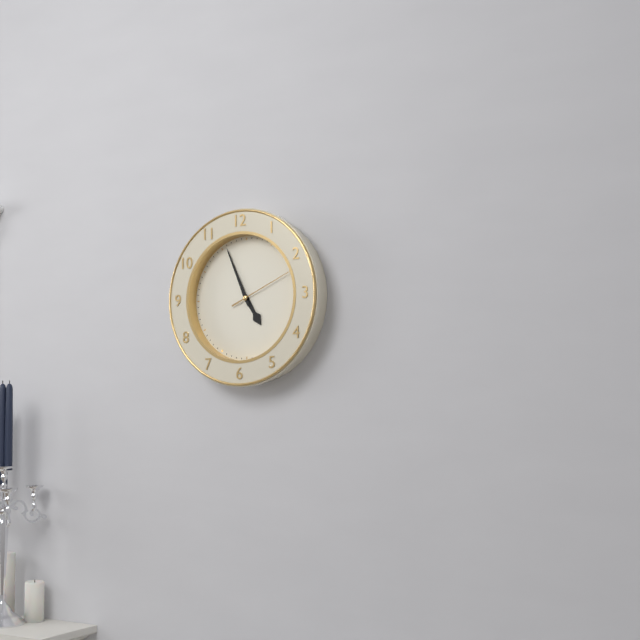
4 h 56 min 11 s
